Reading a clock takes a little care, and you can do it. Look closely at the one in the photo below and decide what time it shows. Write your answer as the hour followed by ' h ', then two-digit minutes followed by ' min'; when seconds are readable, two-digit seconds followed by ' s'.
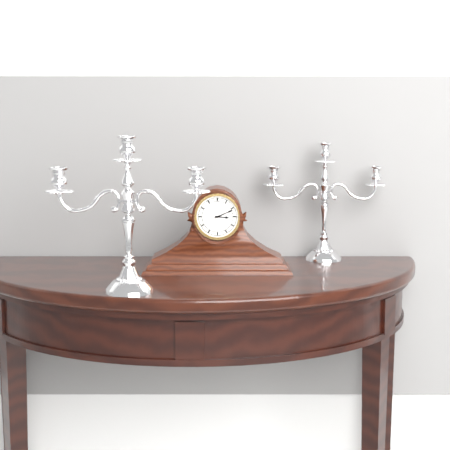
3 h 11 min
